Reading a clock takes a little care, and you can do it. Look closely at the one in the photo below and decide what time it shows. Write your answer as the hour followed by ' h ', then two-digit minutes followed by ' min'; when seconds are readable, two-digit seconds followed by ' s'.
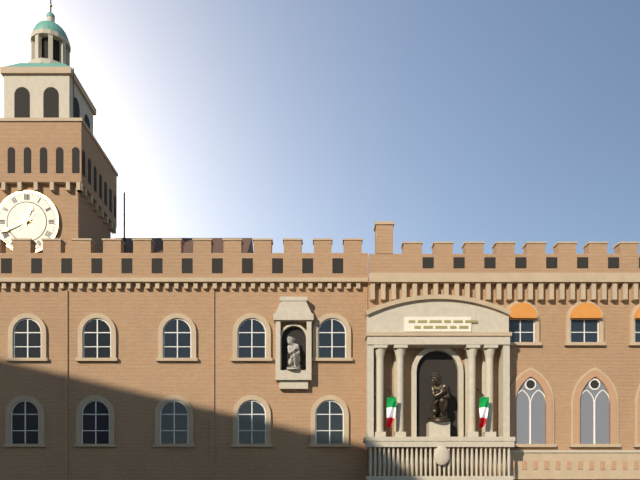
12 h 41 min
